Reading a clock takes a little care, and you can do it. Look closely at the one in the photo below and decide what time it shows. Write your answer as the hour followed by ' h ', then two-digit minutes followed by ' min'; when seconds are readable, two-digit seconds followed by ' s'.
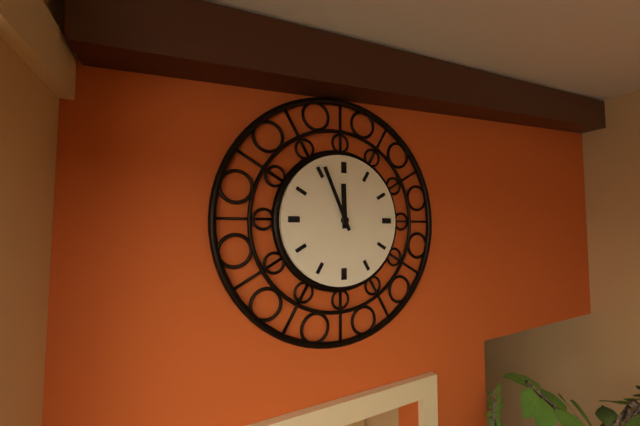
11 h 56 min
